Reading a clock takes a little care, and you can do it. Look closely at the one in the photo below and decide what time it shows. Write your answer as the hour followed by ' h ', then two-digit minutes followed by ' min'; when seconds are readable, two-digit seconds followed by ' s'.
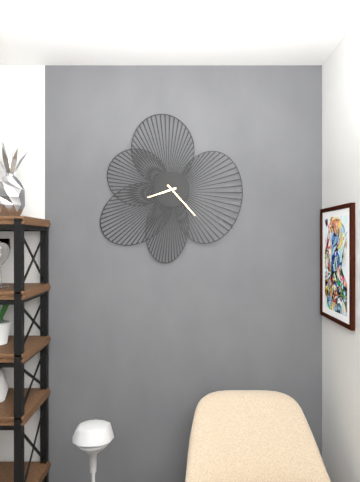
8 h 23 min
